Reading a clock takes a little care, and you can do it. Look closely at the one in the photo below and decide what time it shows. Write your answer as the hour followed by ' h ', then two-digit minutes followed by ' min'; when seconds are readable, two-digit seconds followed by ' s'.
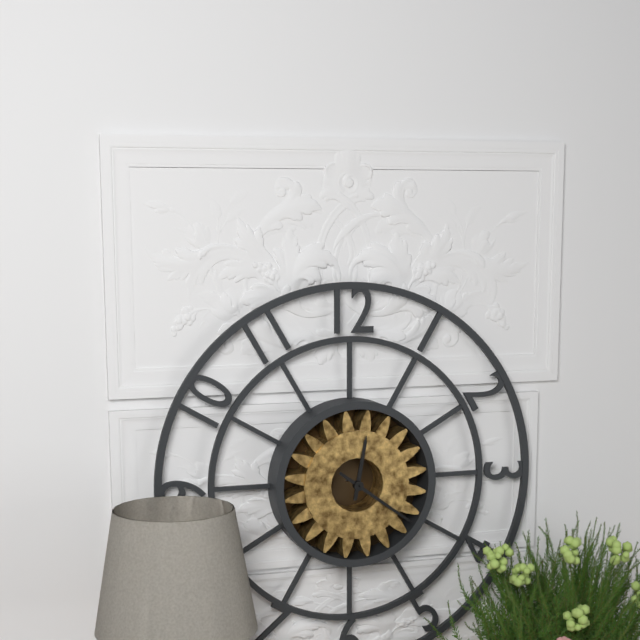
12 h 21 min
